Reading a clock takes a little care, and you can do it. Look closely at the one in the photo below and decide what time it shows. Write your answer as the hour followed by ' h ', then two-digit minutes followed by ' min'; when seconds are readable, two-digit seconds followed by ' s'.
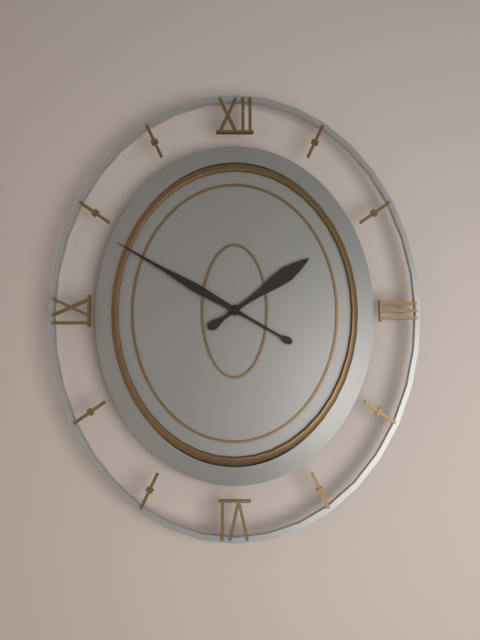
1 h 50 min
